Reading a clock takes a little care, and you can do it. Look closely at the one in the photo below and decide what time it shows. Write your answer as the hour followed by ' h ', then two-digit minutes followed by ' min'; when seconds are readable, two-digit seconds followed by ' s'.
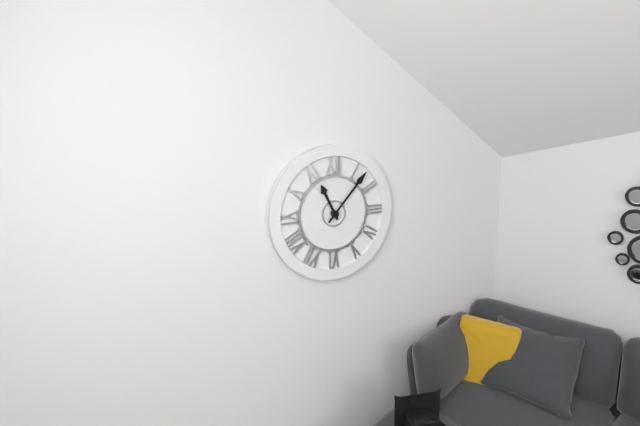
11 h 07 min
